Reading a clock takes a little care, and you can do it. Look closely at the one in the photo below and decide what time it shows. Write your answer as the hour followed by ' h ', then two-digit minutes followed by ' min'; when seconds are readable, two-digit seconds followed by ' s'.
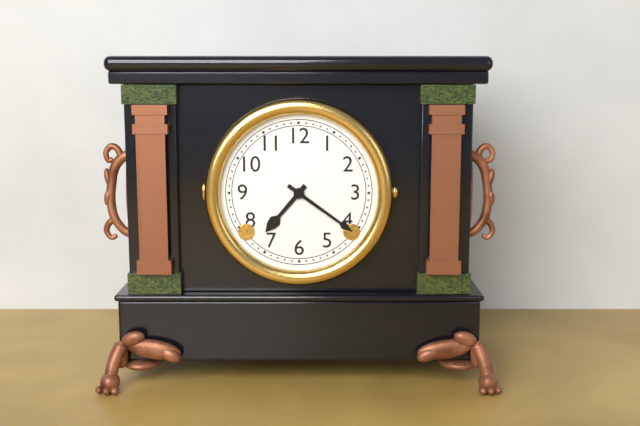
7 h 21 min
